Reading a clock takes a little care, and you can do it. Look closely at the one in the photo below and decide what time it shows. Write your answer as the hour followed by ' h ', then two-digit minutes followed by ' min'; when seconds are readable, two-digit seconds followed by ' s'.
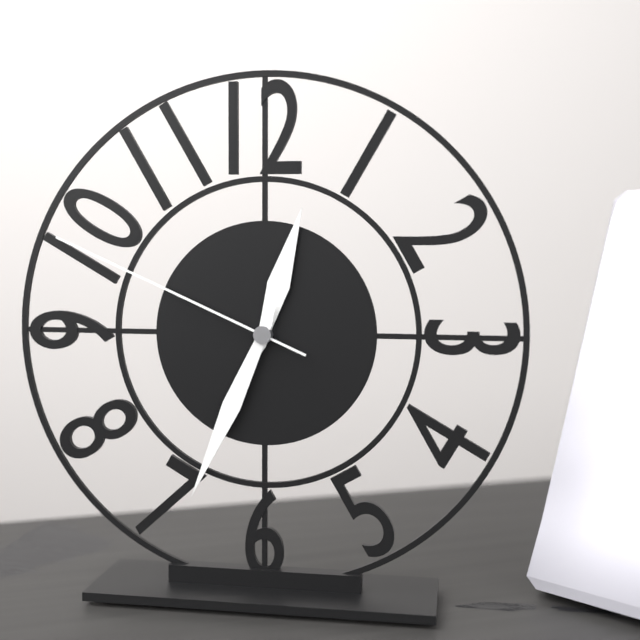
12 h 34 min 49 s
